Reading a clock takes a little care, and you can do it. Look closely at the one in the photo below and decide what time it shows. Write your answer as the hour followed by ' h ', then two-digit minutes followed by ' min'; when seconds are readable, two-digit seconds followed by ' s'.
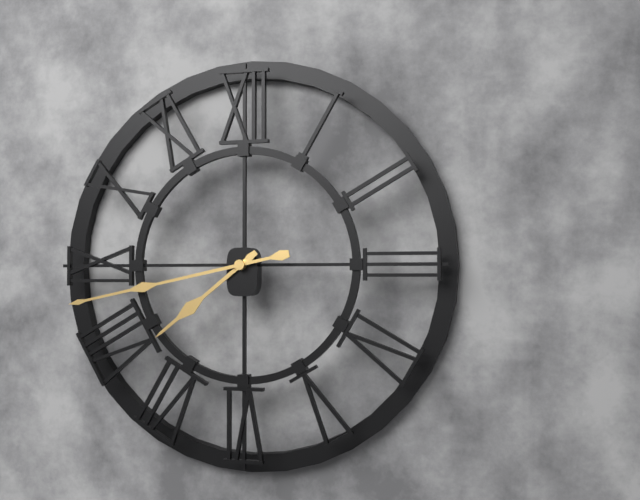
7 h 43 min
